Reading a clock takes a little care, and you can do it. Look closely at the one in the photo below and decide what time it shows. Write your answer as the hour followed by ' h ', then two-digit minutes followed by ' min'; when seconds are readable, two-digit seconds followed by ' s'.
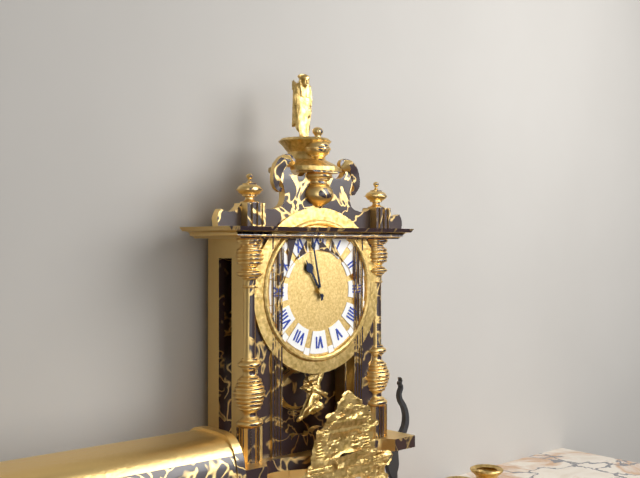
10 h 58 min
